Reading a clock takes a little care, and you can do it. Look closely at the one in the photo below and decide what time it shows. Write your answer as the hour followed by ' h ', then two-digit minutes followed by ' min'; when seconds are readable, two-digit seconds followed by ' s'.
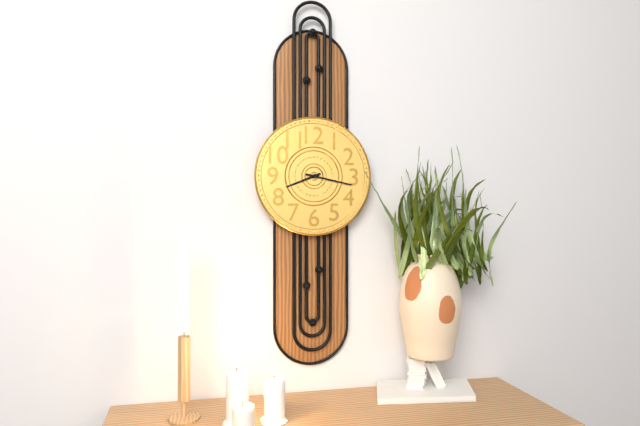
8 h 17 min
